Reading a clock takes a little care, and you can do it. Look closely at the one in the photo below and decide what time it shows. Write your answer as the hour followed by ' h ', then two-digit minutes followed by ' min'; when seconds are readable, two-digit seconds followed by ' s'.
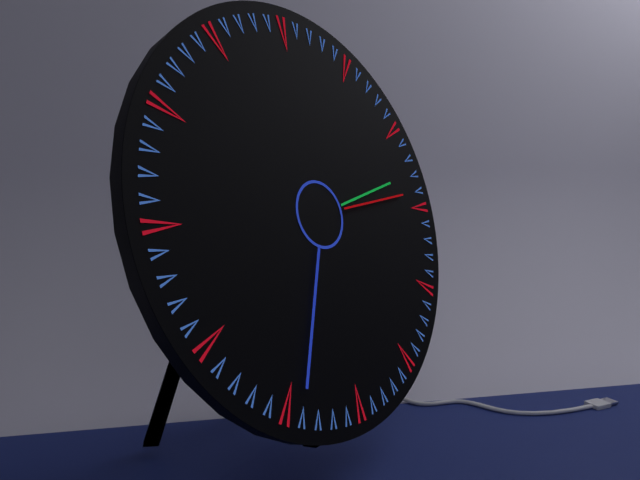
2 h 34 min 14 s
